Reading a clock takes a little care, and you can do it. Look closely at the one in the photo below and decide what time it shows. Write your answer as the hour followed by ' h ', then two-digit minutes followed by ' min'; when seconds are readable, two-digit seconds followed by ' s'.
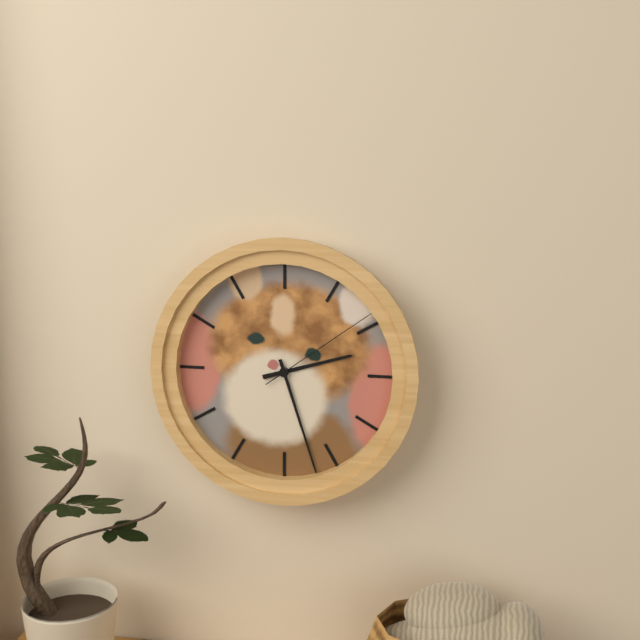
2 h 27 min 09 s
